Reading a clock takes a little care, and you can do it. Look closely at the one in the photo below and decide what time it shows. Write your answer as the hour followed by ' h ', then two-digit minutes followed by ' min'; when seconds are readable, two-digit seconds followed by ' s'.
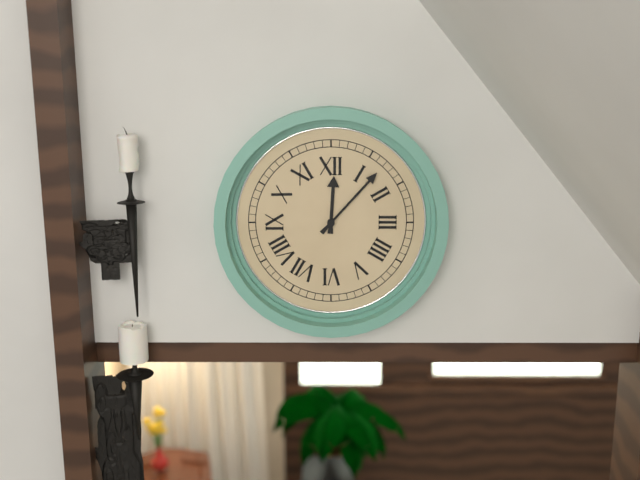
12 h 07 min
